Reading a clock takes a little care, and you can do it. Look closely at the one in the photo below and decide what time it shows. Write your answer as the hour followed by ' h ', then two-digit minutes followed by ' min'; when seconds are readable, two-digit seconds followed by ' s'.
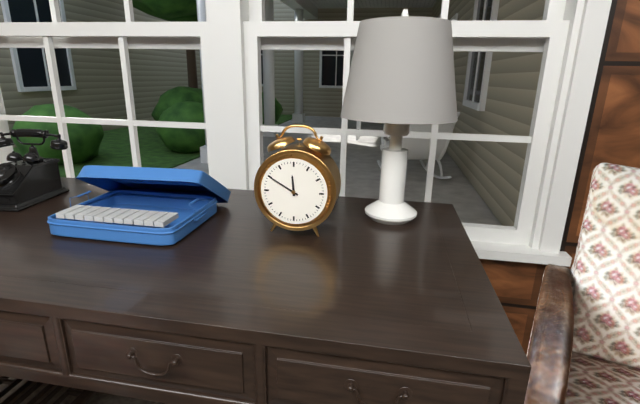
11 h 50 min
